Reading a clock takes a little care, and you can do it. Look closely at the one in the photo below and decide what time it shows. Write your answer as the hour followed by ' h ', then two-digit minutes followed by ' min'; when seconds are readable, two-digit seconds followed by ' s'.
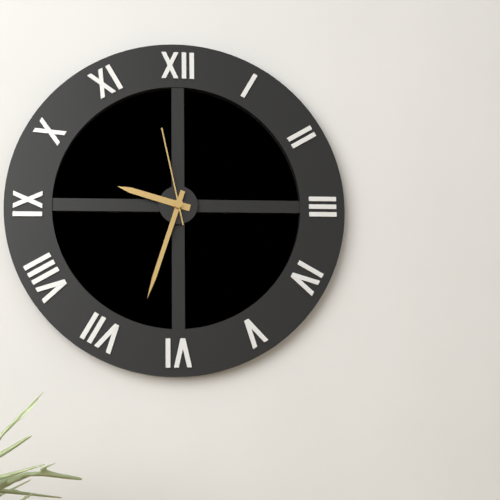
9 h 33 min 58 s
